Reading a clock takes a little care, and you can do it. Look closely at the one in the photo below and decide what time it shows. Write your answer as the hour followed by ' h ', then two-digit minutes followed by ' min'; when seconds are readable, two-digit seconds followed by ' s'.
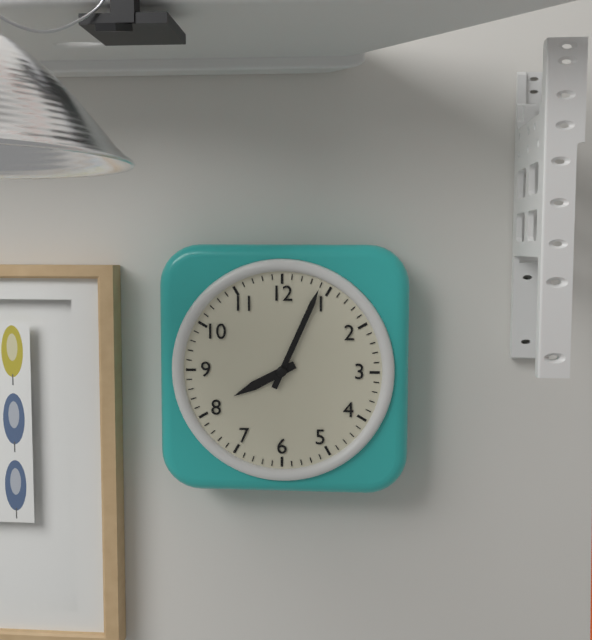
8 h 04 min
